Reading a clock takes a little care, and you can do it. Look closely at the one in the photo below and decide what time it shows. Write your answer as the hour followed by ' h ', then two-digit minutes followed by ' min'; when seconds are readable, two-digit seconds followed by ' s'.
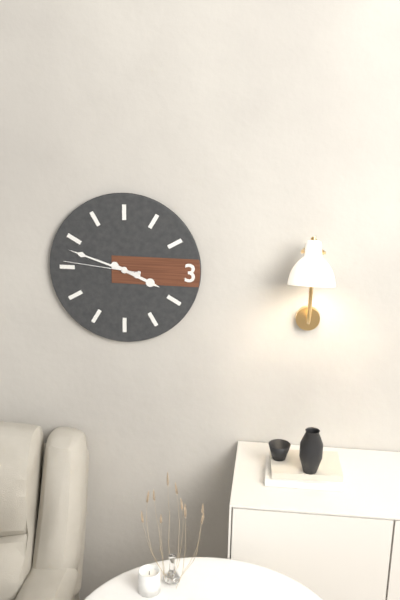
3 h 48 min 46 s
